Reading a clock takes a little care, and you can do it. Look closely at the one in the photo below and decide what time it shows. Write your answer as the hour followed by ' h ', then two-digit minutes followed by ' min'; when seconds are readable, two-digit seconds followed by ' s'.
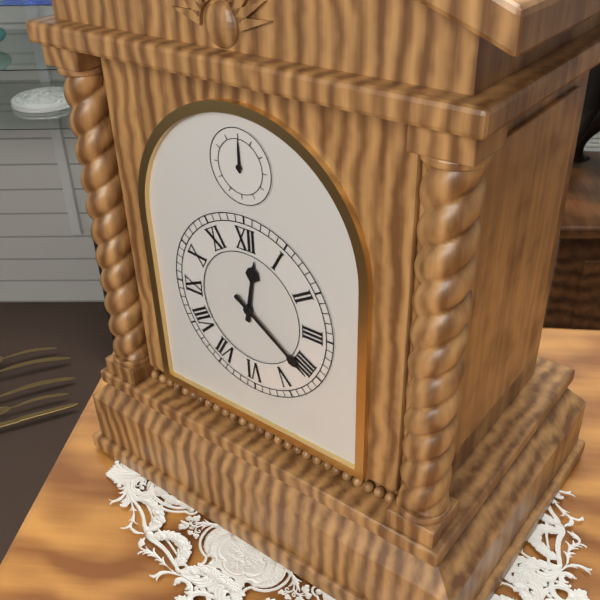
12 h 21 min
